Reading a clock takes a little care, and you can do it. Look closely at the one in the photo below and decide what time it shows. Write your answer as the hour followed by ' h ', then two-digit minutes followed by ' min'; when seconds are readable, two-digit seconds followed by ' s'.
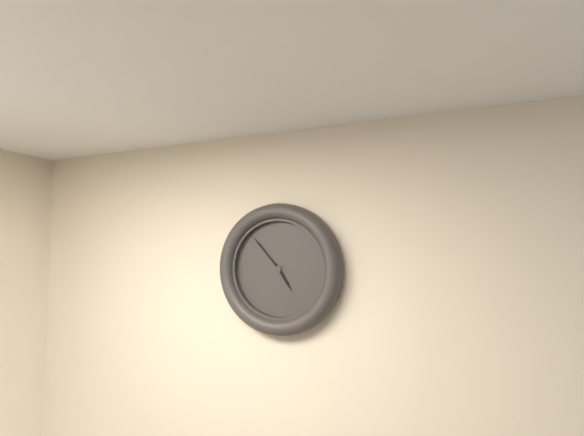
4 h 53 min
